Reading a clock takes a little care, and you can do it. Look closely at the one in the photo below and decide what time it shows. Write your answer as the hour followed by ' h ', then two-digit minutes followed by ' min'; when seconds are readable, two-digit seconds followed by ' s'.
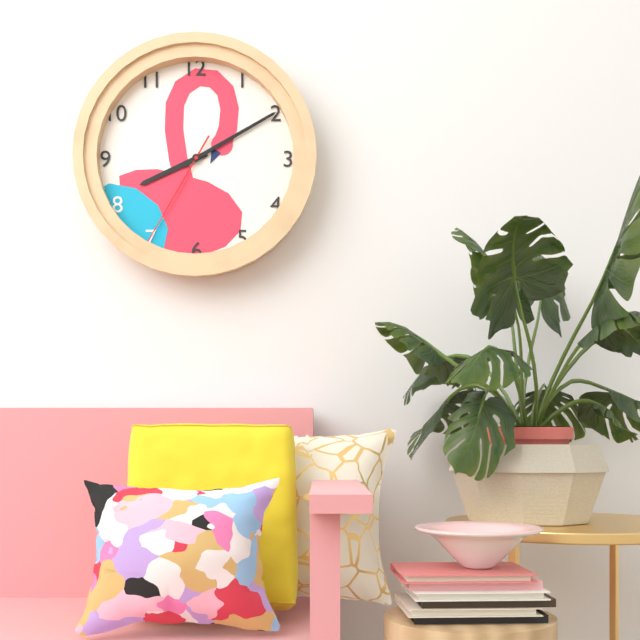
8 h 10 min 35 s
